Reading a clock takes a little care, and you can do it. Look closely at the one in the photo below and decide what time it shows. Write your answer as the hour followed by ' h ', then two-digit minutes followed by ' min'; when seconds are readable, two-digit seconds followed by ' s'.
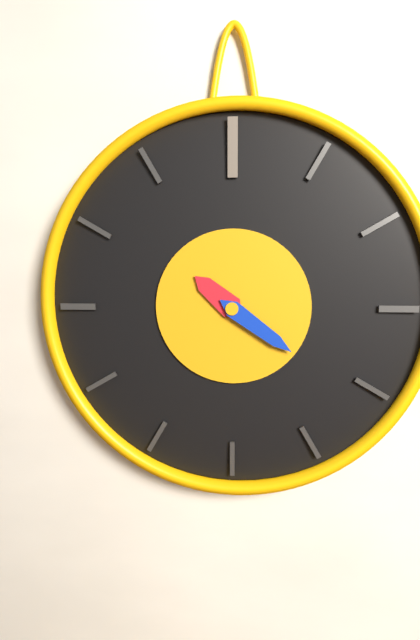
10 h 21 min
